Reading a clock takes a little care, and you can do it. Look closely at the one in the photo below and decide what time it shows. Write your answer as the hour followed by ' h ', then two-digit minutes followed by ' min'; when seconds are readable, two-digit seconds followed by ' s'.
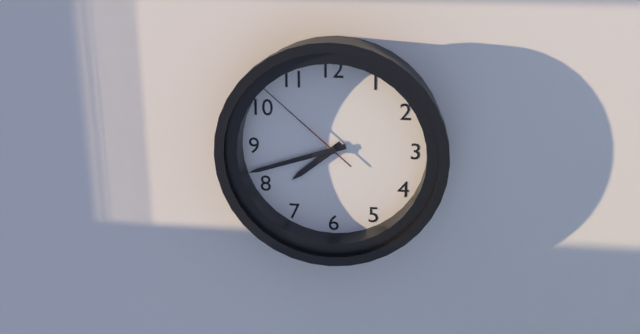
7 h 42 min 52 s
